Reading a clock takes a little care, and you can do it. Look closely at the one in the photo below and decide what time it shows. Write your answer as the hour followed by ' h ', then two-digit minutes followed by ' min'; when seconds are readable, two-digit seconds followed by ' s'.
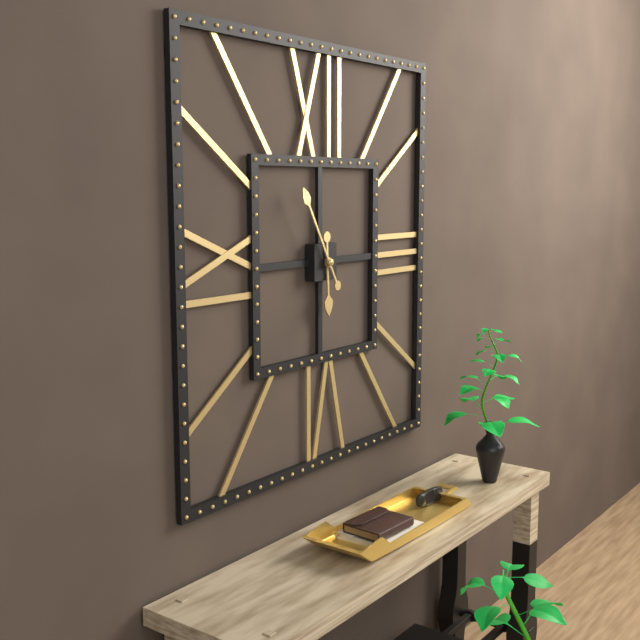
5 h 55 min
